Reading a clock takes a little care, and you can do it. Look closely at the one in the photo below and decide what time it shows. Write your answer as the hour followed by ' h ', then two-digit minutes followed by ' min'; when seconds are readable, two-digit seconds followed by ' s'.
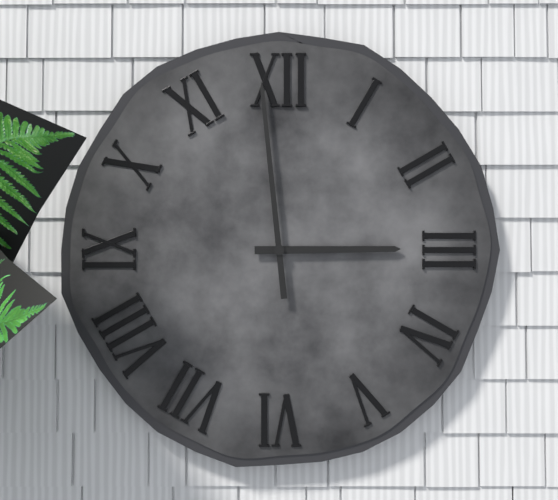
2 h 59 min
